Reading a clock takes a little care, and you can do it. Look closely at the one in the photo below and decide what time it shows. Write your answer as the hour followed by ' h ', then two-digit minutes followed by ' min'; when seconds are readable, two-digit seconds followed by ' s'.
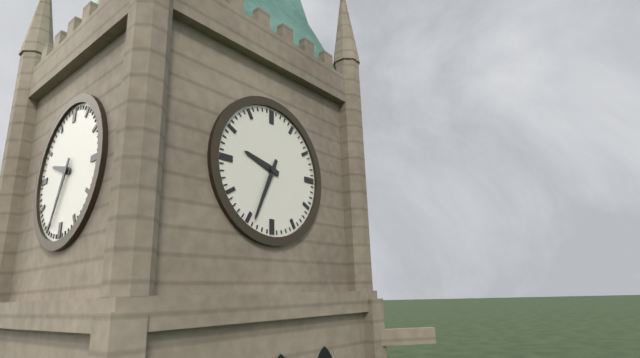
9 h 34 min
